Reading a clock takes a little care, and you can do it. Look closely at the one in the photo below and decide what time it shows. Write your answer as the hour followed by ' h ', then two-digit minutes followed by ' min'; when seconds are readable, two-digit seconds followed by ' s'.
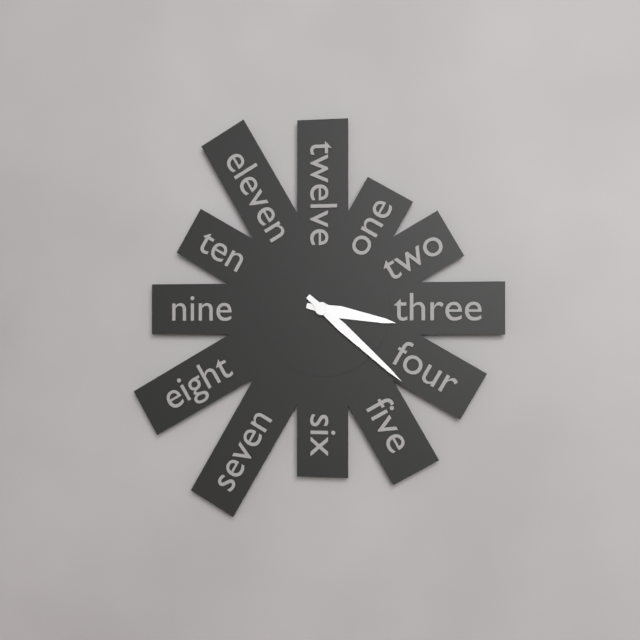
3 h 22 min
